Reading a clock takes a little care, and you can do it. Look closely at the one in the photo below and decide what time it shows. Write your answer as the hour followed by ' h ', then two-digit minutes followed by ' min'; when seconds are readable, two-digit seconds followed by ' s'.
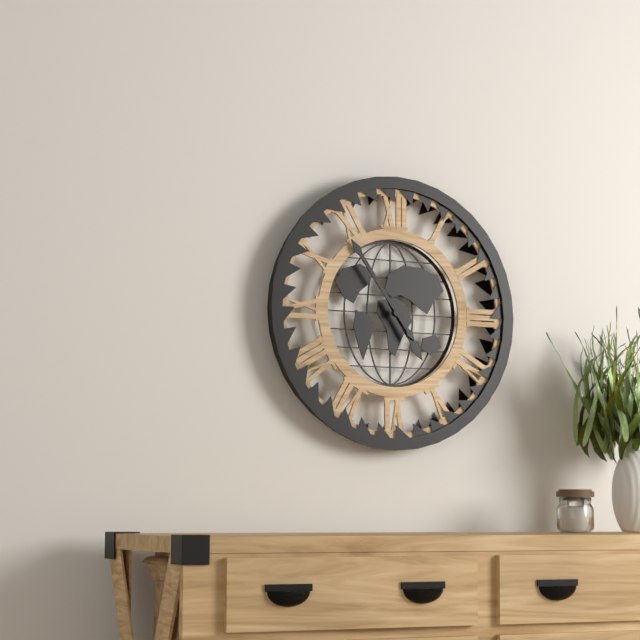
4 h 54 min
